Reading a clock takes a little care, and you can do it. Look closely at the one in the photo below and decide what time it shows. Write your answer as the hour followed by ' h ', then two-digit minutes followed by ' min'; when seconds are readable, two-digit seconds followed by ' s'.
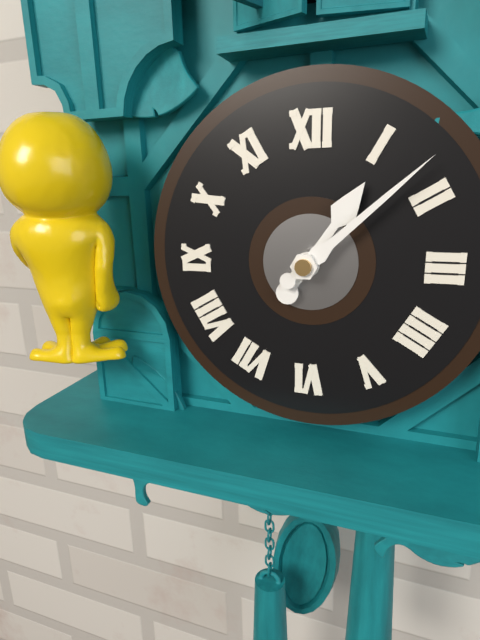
1 h 08 min
